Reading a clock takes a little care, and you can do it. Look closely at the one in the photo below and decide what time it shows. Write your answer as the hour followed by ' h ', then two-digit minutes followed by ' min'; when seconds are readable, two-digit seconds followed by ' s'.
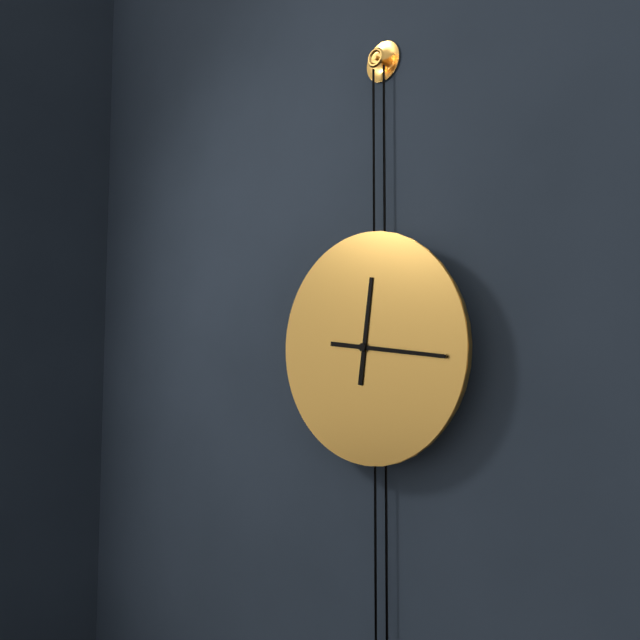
12 h 16 min
